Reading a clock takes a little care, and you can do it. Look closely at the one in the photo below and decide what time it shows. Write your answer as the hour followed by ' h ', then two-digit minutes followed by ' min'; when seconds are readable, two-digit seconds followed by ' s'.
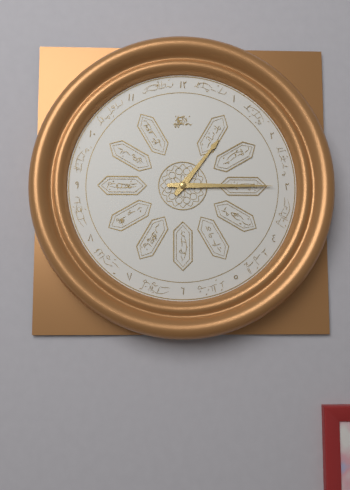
1 h 15 min
